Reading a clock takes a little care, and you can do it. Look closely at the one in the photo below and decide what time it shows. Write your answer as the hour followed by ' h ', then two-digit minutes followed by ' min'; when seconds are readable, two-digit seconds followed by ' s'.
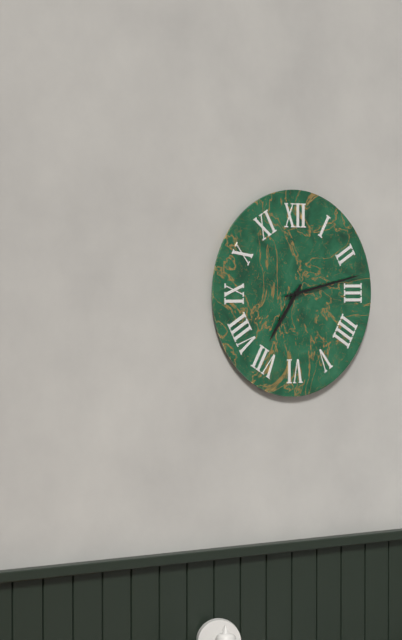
7 h 13 min
